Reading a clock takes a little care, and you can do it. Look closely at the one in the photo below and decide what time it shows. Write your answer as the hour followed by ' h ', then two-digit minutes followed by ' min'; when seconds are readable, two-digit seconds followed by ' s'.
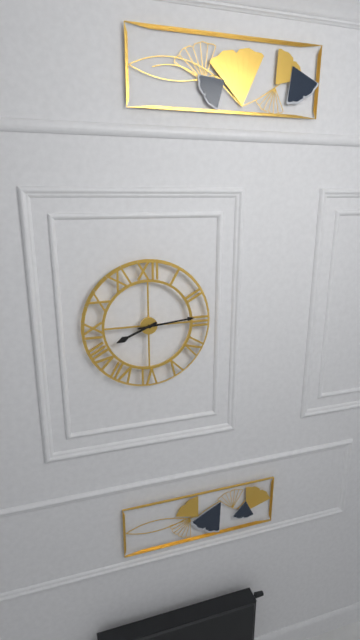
8 h 14 min
